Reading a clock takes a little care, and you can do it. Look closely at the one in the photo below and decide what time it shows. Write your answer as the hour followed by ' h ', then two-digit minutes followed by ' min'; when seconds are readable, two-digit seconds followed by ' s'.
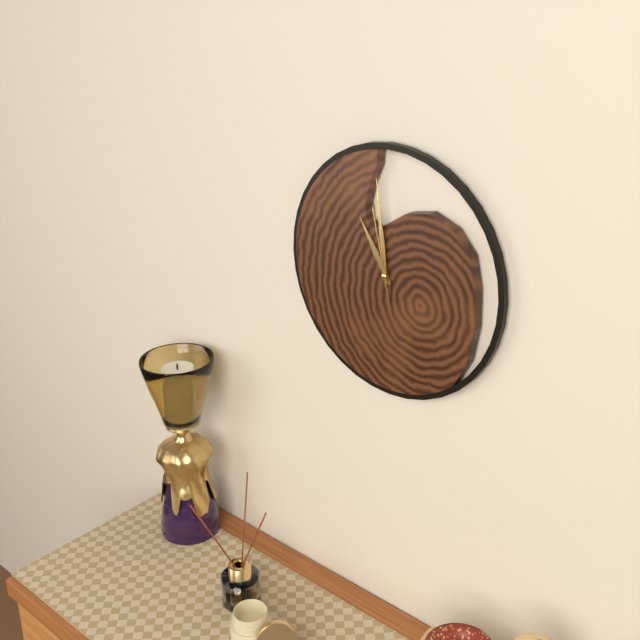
10 h 59 min 58 s
